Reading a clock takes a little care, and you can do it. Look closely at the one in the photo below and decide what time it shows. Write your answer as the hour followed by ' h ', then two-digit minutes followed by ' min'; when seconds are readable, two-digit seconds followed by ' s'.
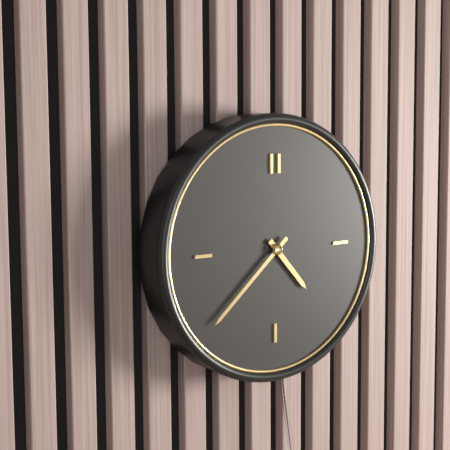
4 h 38 min
